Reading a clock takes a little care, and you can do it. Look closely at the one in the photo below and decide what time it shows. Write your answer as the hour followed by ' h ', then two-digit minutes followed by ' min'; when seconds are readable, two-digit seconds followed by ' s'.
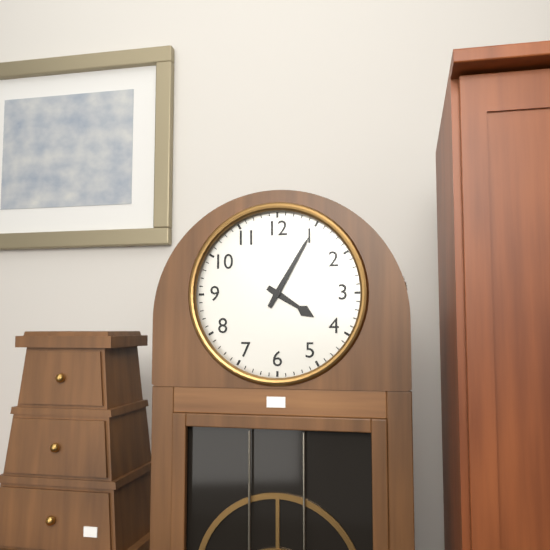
4 h 05 min
